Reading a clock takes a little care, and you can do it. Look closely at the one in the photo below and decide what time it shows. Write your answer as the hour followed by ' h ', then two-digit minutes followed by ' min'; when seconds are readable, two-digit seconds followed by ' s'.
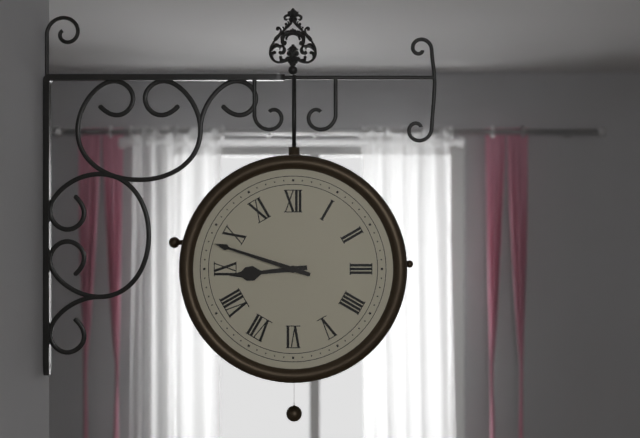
8 h 48 min
